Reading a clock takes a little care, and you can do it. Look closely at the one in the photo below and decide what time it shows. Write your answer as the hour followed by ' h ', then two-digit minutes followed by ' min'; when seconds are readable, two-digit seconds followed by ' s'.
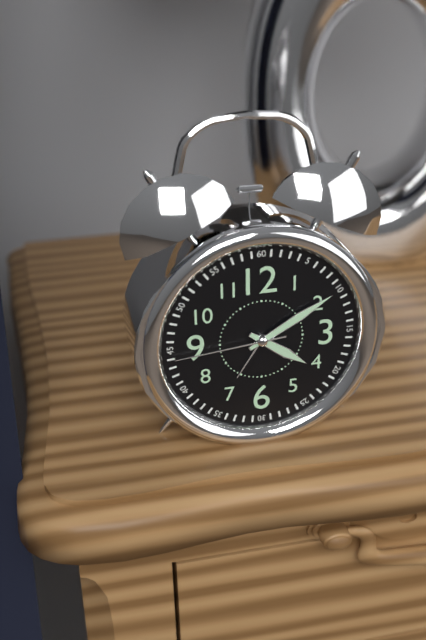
4 h 10 min 44 s
